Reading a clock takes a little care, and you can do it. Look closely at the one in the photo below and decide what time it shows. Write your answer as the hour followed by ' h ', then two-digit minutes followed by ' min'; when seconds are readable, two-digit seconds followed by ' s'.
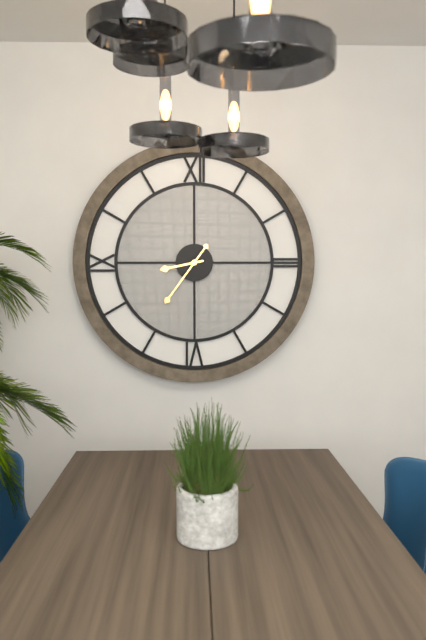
8 h 36 min
